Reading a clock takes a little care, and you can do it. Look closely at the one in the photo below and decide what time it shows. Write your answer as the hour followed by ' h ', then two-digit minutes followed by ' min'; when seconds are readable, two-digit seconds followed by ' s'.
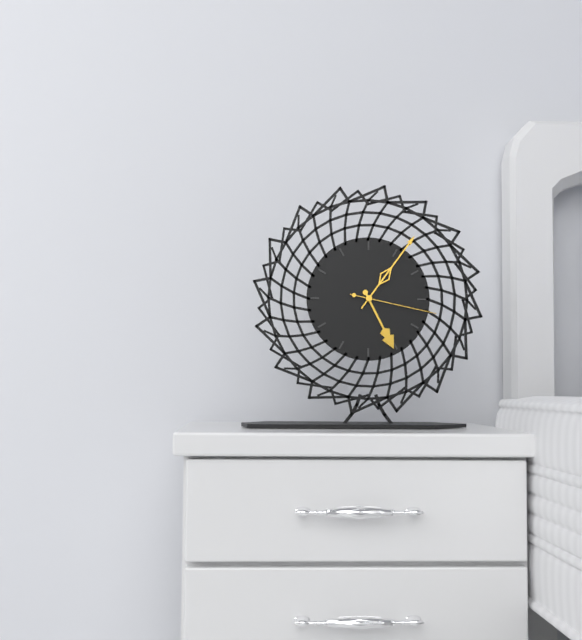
5 h 06 min 17 s
